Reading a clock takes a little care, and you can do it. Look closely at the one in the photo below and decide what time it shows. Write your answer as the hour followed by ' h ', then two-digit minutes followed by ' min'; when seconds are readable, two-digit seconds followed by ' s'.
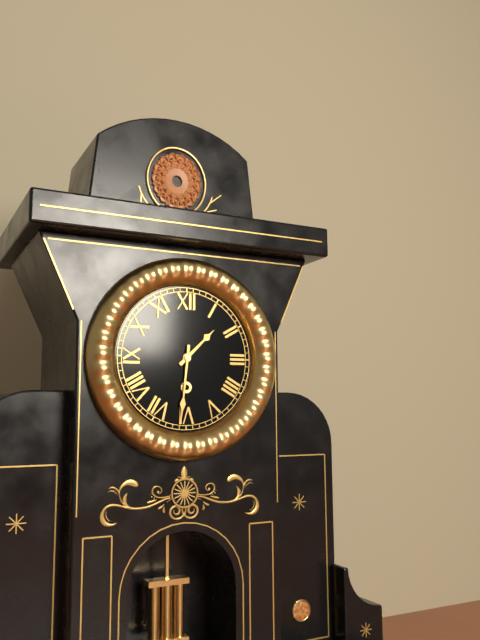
1 h 31 min
